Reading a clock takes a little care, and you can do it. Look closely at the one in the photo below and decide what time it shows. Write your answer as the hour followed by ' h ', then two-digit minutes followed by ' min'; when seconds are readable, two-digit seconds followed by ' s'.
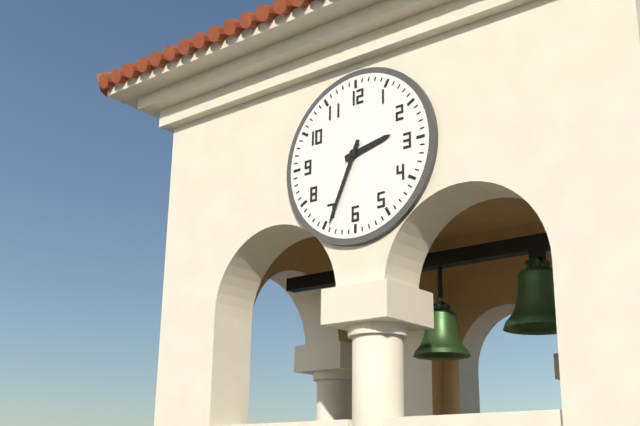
2 h 34 min
